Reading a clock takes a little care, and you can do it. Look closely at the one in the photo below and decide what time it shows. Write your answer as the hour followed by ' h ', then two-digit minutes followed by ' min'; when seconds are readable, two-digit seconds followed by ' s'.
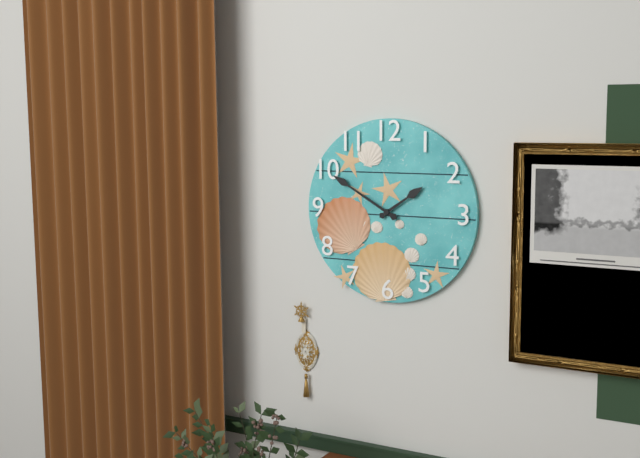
1 h 50 min
